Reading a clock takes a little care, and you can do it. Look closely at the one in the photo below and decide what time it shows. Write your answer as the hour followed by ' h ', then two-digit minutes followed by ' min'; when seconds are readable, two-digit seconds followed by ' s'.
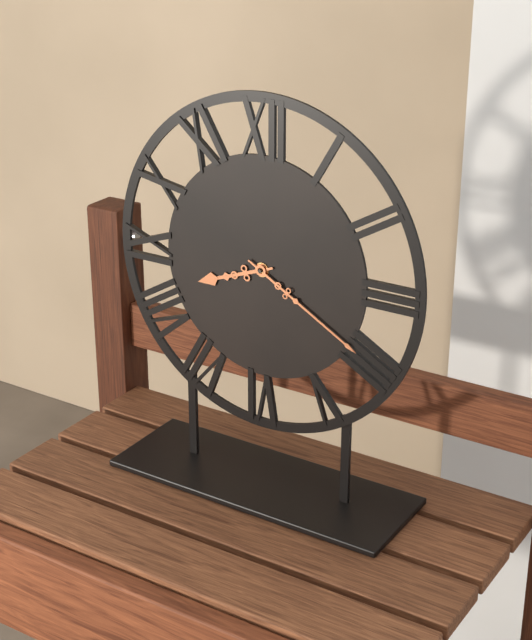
8 h 20 min
